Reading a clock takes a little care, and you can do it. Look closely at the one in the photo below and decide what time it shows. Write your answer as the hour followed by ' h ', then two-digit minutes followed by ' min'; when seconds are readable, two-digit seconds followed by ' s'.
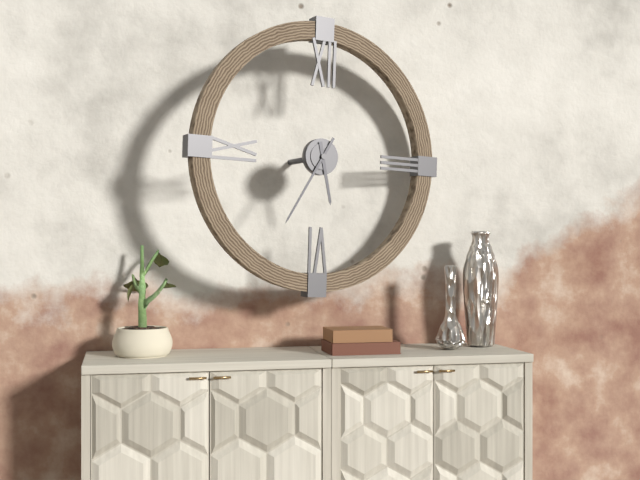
5 h 35 min
